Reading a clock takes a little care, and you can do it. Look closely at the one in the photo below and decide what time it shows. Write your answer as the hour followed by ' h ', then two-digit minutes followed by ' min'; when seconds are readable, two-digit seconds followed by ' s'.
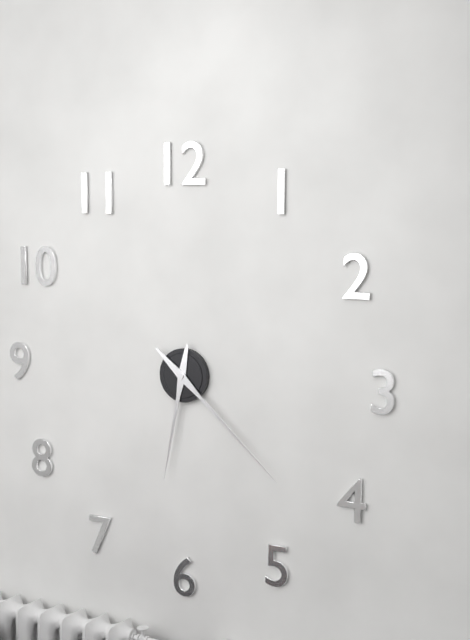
6 h 22 min
